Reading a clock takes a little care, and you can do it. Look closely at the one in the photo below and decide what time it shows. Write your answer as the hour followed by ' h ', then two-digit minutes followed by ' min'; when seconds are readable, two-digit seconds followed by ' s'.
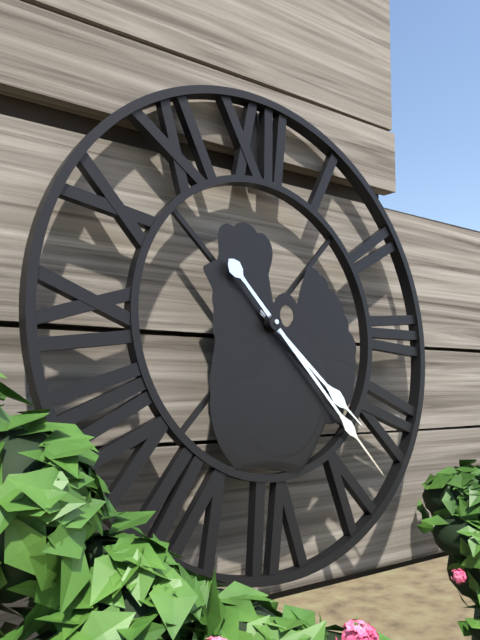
4 h 23 min
